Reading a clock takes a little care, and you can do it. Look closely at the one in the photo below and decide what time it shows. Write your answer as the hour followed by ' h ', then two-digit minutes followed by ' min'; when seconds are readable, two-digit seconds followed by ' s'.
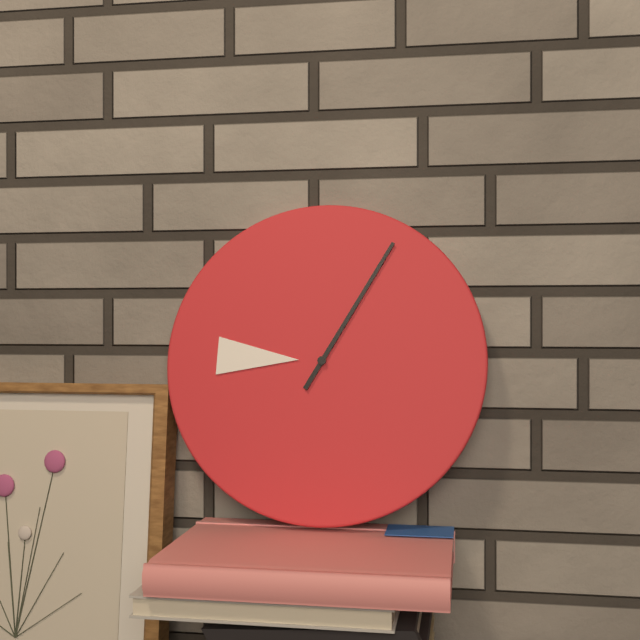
9 h 05 min
